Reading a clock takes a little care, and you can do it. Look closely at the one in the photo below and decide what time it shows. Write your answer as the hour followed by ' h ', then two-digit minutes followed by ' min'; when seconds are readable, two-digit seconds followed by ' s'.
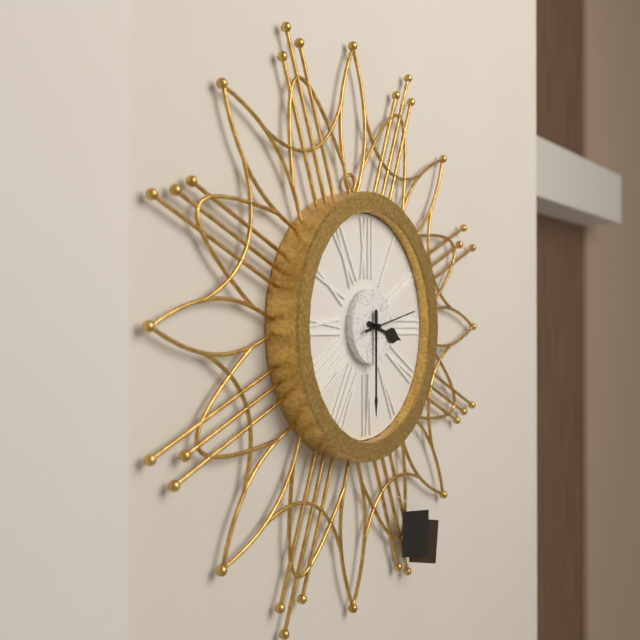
3 h 30 min 13 s
